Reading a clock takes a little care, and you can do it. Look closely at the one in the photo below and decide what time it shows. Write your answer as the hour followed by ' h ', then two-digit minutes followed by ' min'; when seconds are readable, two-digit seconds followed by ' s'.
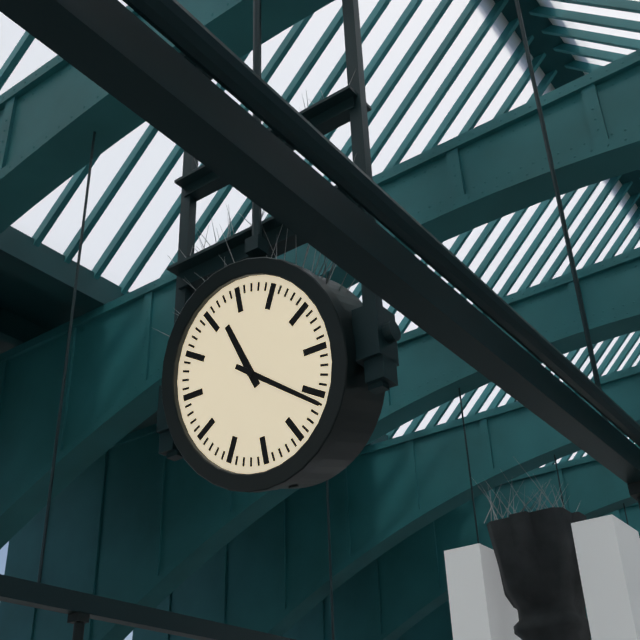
11 h 21 min
